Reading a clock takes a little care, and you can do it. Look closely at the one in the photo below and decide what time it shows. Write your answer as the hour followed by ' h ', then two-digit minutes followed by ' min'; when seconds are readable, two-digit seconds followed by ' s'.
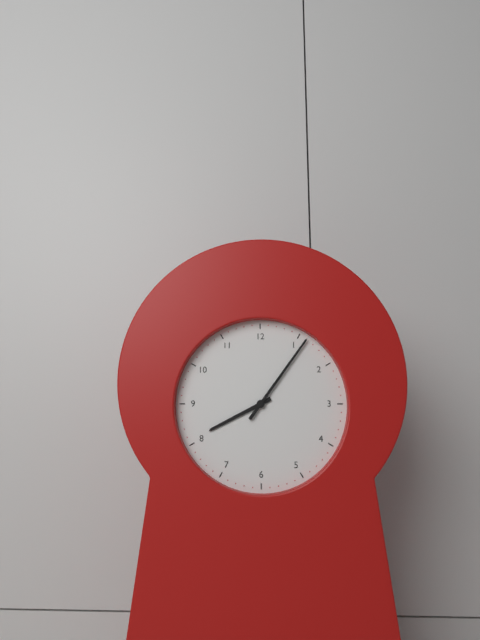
8 h 06 min
